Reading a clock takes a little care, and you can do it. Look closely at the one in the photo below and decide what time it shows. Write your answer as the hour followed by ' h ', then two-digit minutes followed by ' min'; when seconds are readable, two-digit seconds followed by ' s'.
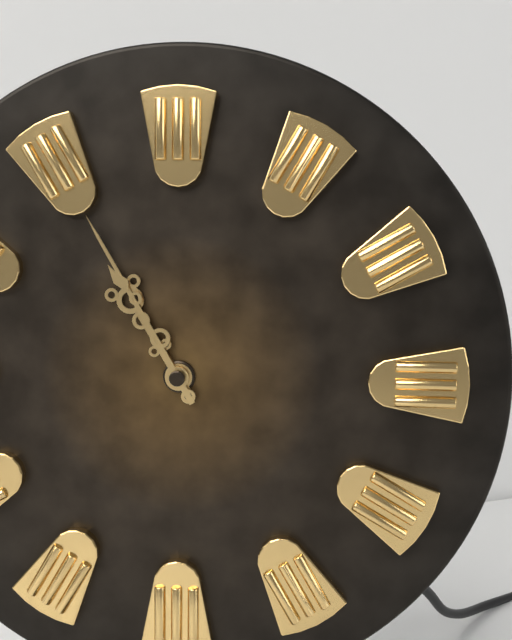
10 h 55 min
